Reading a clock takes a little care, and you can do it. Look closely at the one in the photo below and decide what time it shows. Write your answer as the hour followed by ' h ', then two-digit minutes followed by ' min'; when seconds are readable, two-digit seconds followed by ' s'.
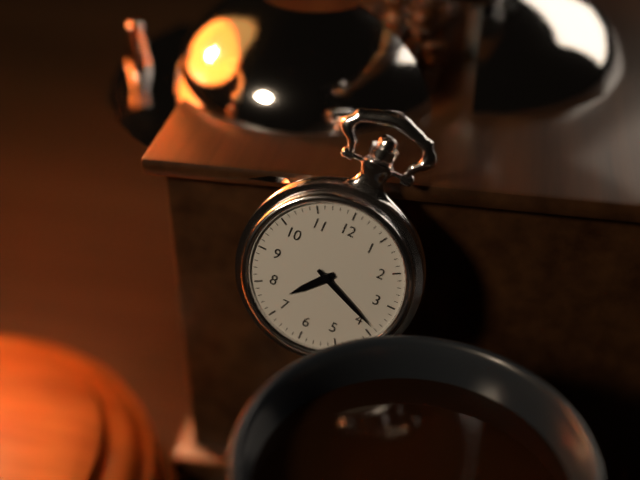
7 h 19 min
